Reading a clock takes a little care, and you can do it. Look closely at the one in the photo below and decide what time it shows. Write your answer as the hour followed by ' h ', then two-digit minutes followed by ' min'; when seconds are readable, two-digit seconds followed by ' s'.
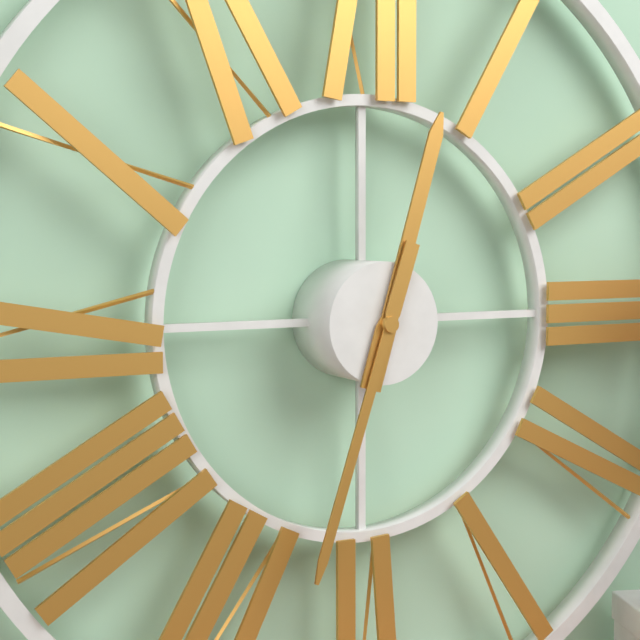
12 h 33 min
